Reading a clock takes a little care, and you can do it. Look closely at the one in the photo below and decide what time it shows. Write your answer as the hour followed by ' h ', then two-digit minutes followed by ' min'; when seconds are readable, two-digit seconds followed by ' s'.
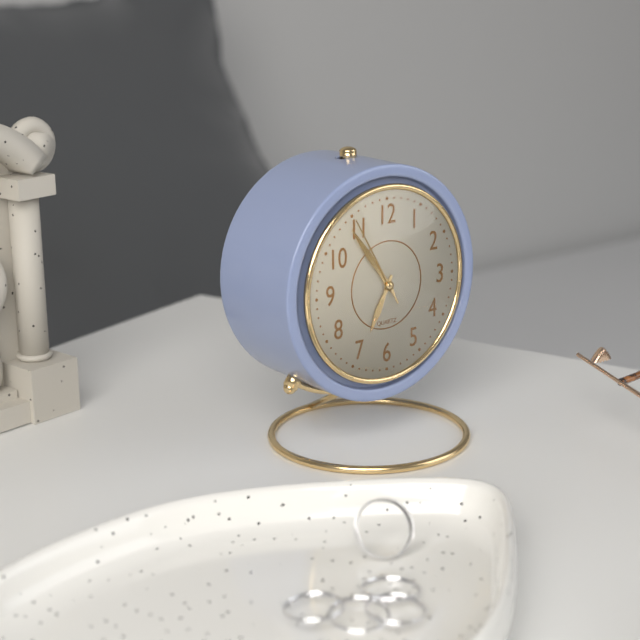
6 h 54 min 55 s
